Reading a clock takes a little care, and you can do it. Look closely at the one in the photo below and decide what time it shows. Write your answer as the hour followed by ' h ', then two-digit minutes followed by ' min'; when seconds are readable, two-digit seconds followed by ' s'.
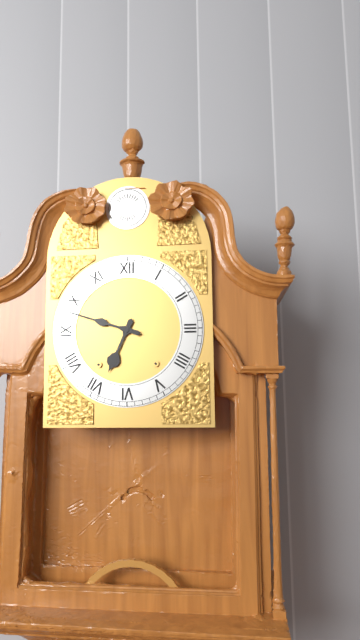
6 h 48 min
